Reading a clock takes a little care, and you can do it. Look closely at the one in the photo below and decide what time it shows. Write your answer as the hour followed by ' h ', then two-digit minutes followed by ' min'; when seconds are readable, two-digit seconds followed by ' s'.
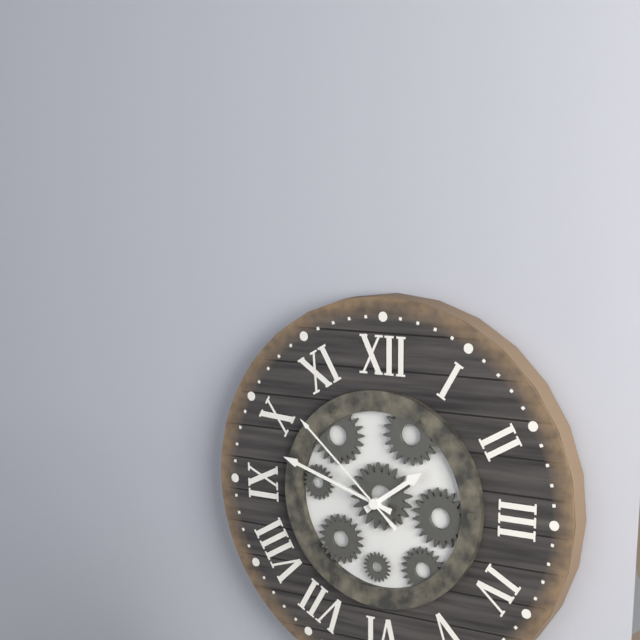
1 h 48 min 52 s
